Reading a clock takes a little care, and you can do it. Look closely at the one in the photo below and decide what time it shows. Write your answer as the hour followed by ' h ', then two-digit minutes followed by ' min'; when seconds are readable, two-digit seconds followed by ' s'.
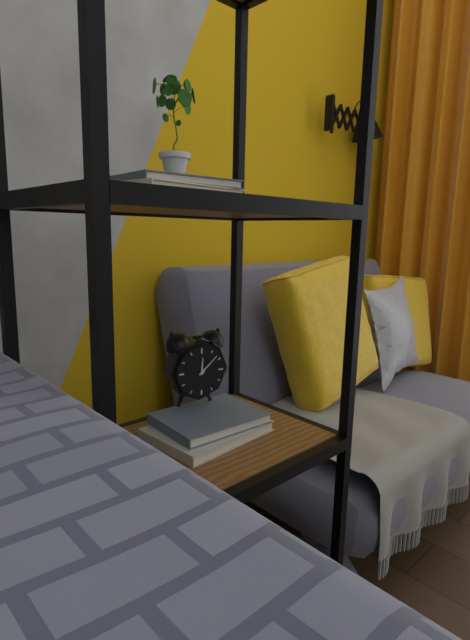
12 h 08 min
